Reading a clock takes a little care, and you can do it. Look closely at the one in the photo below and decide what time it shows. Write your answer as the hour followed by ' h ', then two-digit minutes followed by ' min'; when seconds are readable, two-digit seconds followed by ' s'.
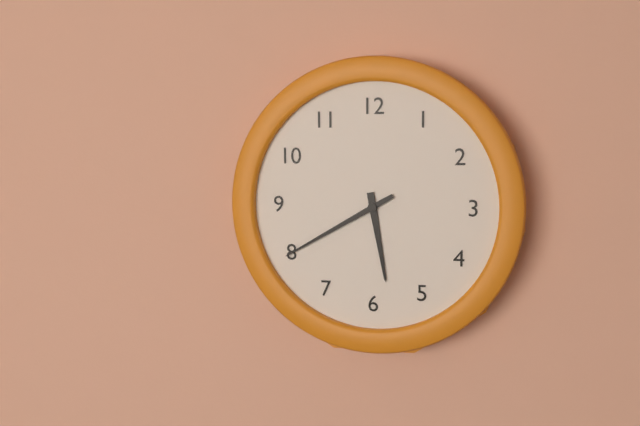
5 h 40 min
